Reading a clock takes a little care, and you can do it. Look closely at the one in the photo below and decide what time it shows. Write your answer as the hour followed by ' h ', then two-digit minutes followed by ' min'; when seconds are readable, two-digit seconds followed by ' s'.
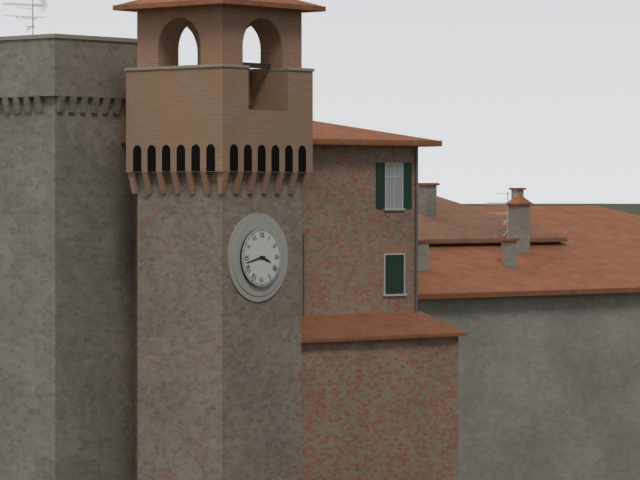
3 h 43 min
